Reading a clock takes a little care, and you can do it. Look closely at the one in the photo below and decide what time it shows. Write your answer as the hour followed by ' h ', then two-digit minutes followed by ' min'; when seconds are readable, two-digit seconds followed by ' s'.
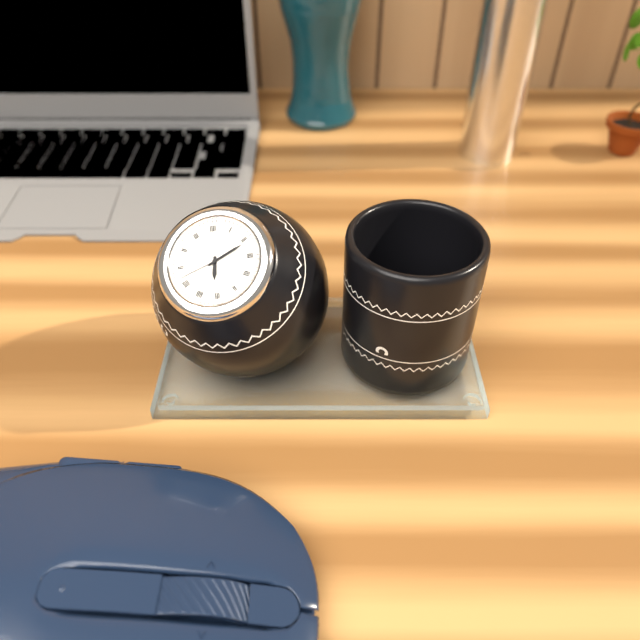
6 h 11 min
